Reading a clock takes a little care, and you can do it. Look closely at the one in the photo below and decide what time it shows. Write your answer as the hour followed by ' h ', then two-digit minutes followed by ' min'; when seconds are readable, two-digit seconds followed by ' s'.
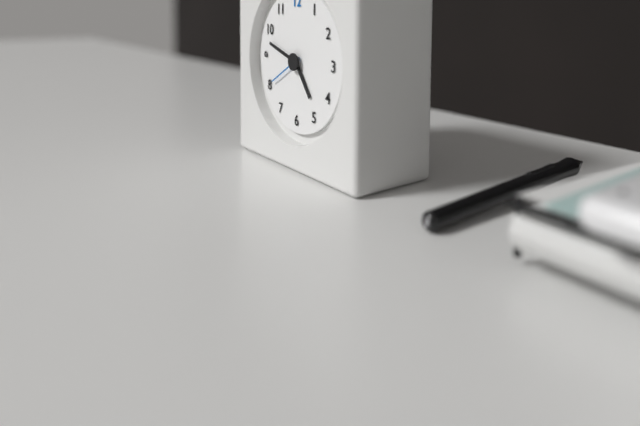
4 h 48 min
